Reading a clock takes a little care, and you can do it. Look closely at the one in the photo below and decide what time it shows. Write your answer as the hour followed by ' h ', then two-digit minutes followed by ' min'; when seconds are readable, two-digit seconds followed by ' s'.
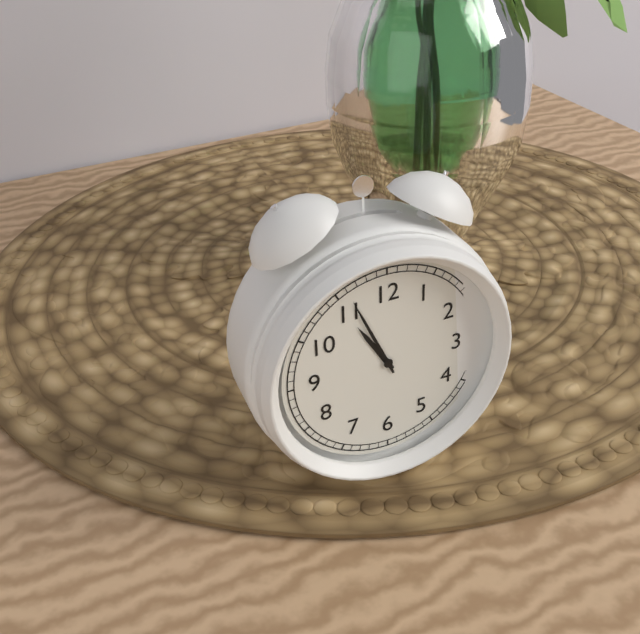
10 h 56 min
